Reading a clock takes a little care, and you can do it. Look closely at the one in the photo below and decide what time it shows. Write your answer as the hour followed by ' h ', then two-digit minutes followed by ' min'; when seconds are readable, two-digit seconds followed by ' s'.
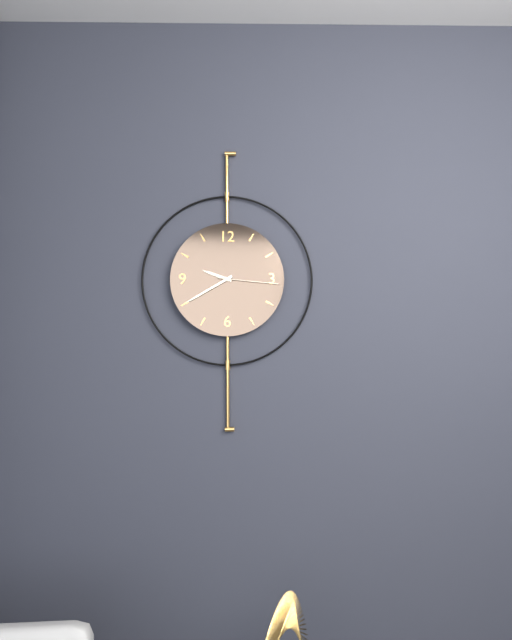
9 h 40 min 16 s
